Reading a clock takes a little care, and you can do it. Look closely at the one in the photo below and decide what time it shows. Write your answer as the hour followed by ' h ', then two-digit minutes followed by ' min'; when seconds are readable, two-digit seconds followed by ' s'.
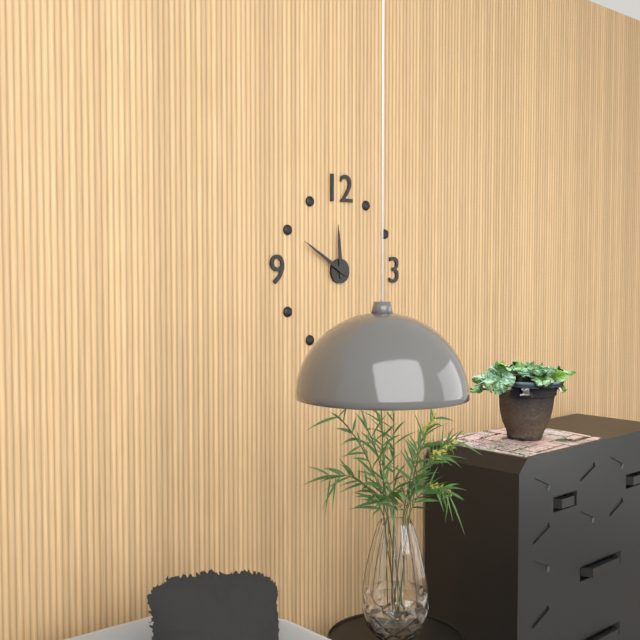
11 h 50 min
